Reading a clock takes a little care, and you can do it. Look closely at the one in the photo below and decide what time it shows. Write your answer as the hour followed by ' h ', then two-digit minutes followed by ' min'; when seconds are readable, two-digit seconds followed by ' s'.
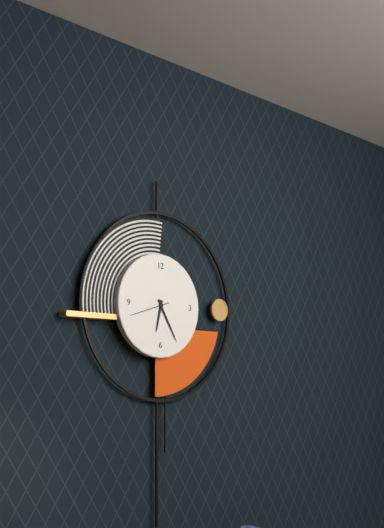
6 h 25 min
